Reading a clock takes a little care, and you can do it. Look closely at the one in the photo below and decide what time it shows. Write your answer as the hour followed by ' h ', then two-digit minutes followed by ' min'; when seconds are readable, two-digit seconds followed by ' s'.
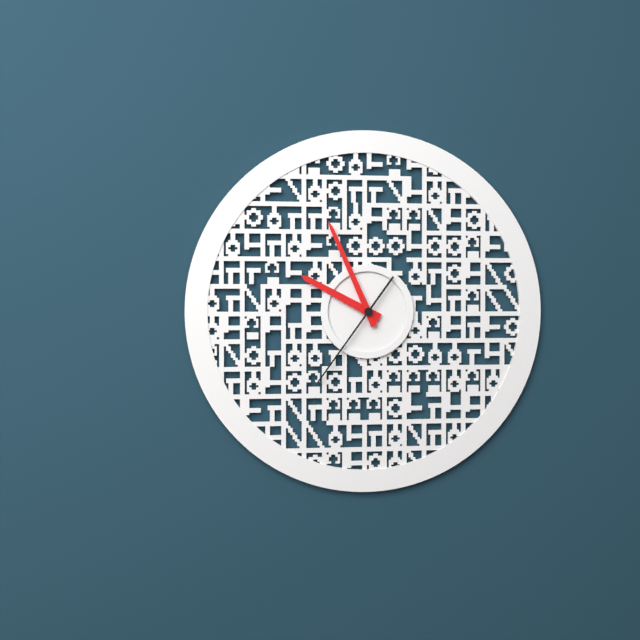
9 h 56 min 36 s
